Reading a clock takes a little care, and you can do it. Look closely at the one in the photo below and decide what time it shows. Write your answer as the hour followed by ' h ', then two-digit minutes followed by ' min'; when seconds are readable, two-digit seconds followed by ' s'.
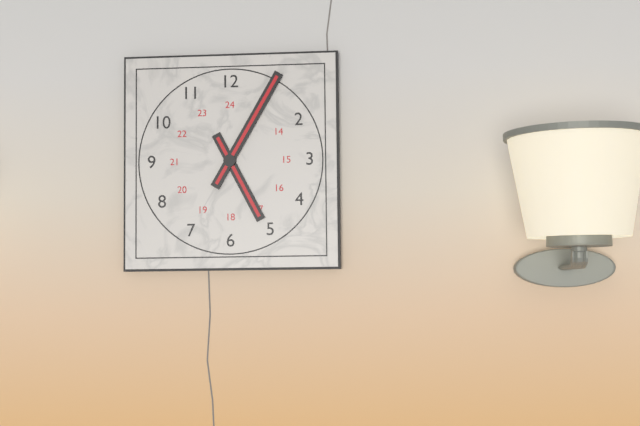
5 h 05 min
